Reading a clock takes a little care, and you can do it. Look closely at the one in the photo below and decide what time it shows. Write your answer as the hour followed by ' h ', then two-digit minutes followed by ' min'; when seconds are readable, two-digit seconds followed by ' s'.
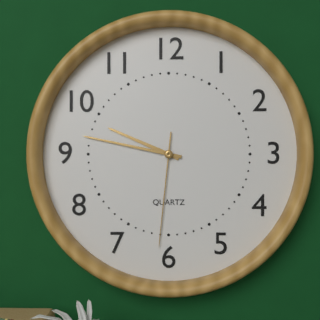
9 h 47 min 31 s
